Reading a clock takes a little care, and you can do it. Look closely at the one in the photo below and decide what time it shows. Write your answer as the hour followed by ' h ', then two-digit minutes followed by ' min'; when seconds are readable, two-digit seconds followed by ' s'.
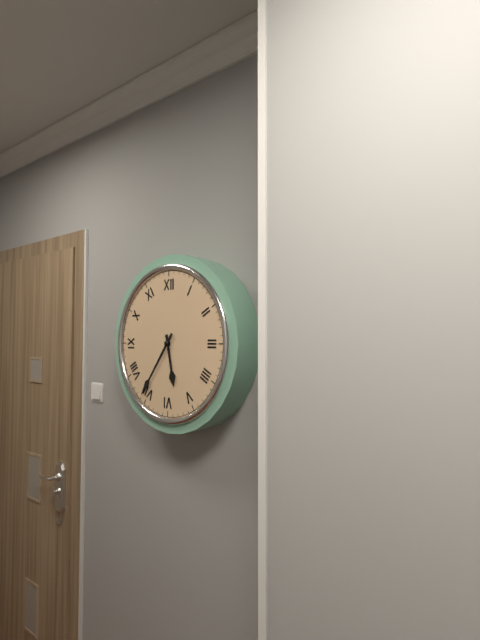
5 h 36 min
